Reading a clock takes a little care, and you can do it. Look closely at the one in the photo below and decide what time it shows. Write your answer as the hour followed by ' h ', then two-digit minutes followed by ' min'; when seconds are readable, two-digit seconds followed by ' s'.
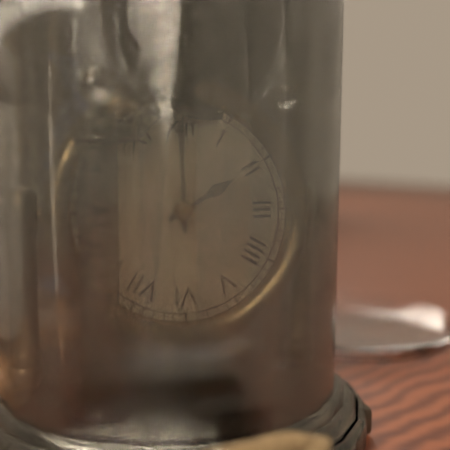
2 h 00 min
